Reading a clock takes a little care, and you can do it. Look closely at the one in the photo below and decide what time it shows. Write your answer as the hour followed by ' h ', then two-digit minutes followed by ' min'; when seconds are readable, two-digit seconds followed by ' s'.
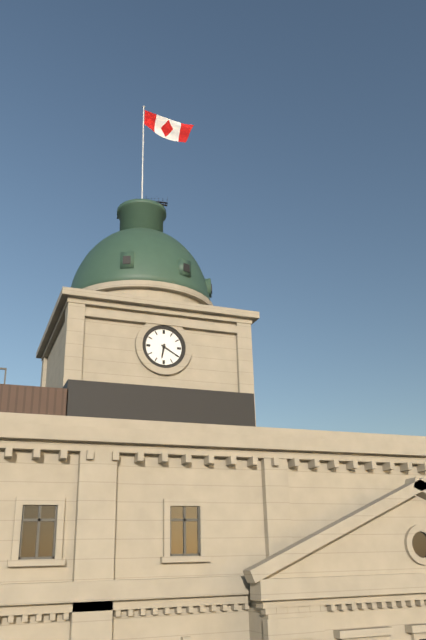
6 h 20 min
